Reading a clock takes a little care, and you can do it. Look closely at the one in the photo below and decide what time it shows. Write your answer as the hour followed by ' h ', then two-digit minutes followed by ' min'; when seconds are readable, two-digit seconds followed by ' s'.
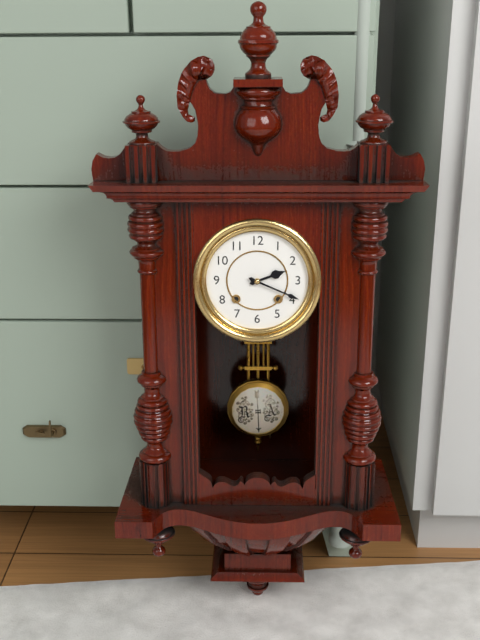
2 h 19 min
